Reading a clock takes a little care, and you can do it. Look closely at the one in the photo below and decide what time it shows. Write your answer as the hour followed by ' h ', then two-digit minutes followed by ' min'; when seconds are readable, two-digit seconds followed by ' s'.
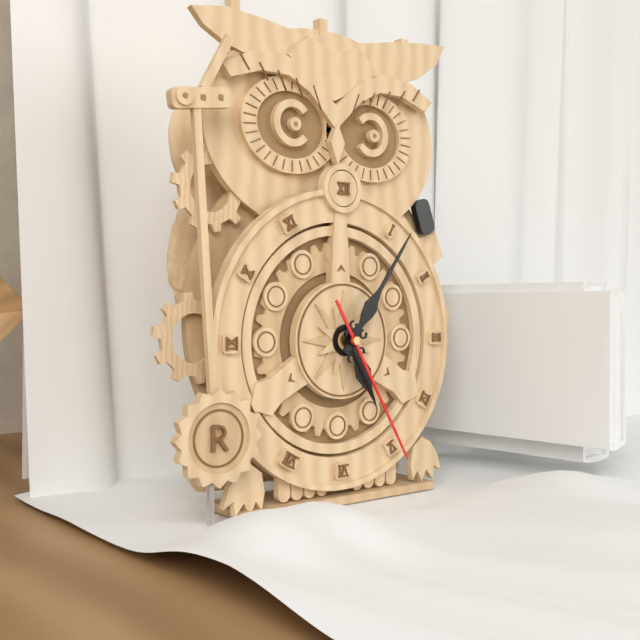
5 h 06 min 25 s
